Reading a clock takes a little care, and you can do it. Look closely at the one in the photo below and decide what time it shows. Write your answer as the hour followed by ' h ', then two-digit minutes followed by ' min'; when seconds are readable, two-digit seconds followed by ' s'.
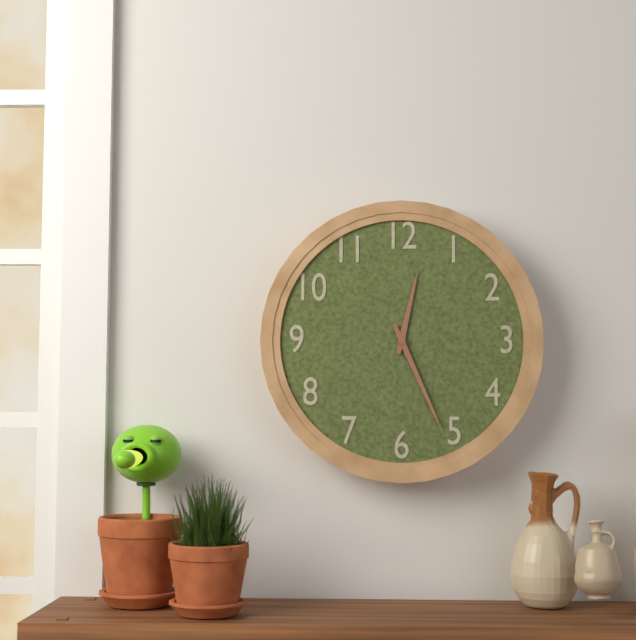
12 h 26 min
